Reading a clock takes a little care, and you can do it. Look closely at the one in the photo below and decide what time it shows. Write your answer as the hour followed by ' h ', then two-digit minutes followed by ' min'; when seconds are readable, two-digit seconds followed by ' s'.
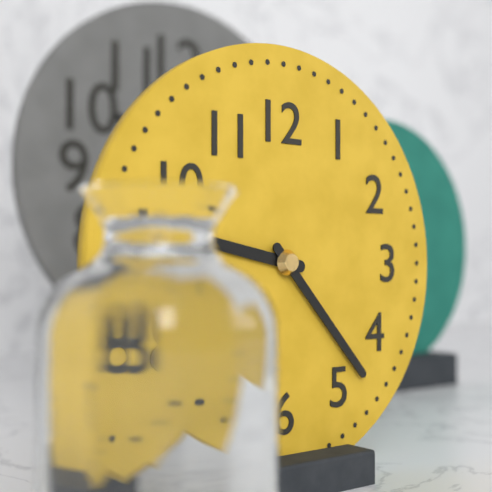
9 h 23 min
